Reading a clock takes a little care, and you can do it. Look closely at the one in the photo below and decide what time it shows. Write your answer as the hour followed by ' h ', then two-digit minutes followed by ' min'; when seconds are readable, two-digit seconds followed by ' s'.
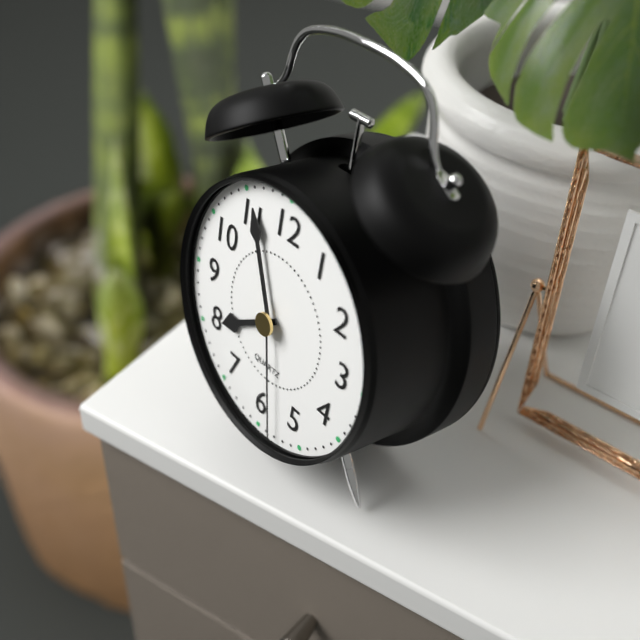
7 h 56 min 28 s
